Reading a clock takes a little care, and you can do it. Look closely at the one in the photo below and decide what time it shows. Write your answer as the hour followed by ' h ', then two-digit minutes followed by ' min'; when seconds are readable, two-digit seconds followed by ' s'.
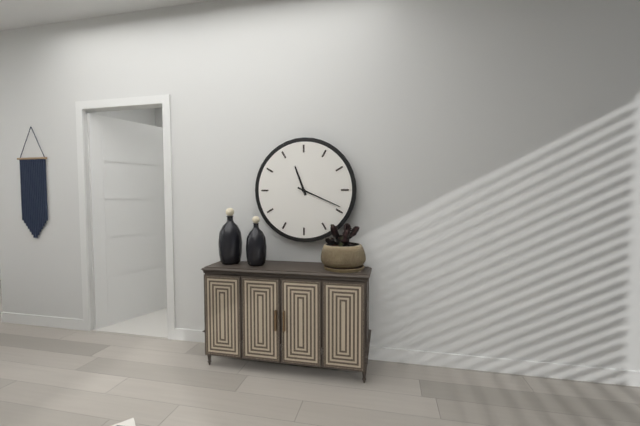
11 h 19 min
